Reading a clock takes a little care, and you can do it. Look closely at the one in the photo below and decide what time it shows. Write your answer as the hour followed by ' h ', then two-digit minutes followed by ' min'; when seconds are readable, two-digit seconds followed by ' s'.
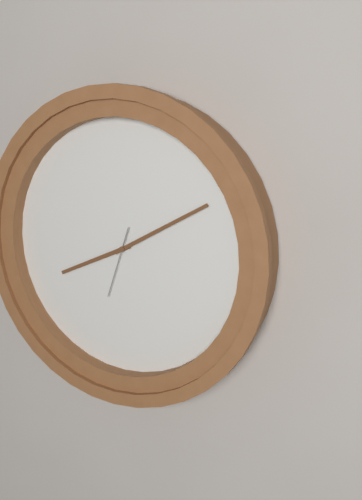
8 h 10 min 33 s
